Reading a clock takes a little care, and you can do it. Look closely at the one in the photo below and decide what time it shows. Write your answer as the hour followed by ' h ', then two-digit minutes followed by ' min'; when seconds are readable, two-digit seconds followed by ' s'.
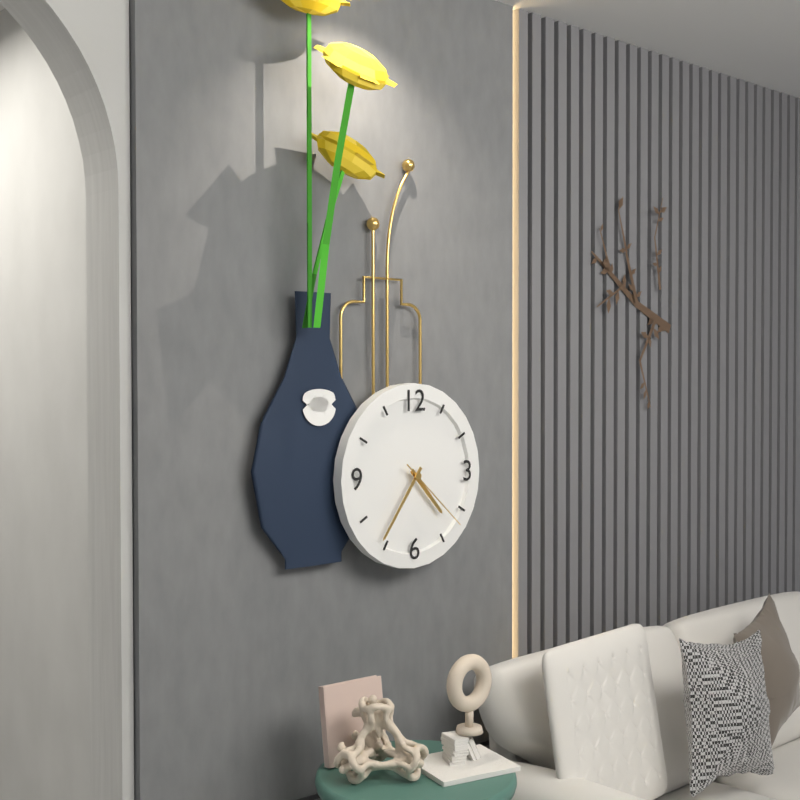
4 h 36 min 22 s
